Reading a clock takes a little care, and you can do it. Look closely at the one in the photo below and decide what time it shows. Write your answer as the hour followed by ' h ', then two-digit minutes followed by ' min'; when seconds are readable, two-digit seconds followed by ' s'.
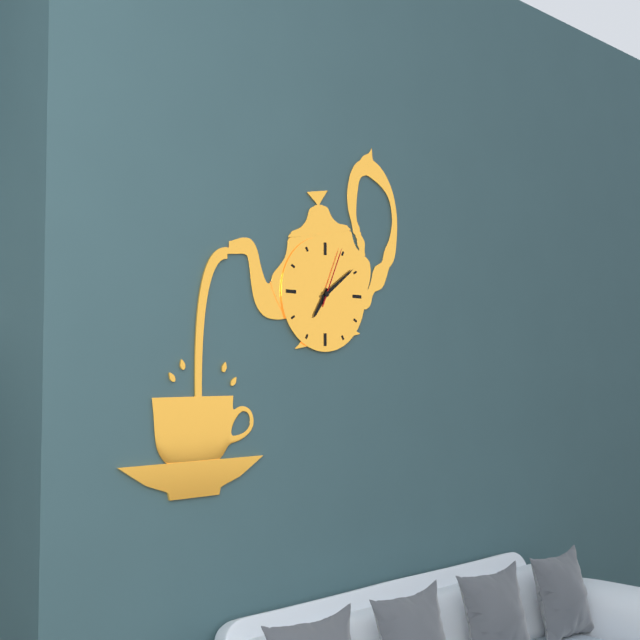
7 h 09 min 04 s
